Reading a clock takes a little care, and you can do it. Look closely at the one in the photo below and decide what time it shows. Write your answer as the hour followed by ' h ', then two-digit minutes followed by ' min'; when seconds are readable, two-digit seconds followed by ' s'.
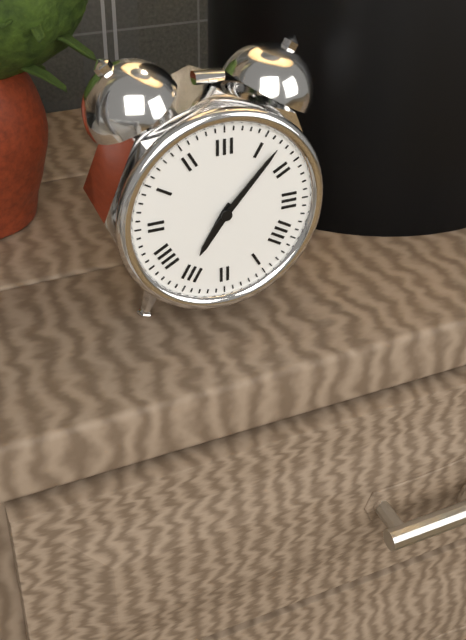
7 h 07 min
